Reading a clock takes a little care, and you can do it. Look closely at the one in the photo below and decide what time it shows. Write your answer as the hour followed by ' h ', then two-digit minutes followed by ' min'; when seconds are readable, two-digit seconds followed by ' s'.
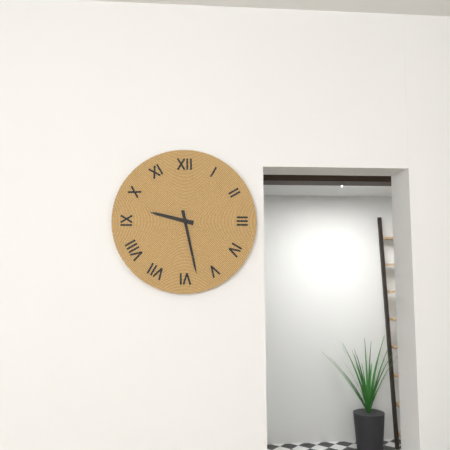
9 h 28 min
